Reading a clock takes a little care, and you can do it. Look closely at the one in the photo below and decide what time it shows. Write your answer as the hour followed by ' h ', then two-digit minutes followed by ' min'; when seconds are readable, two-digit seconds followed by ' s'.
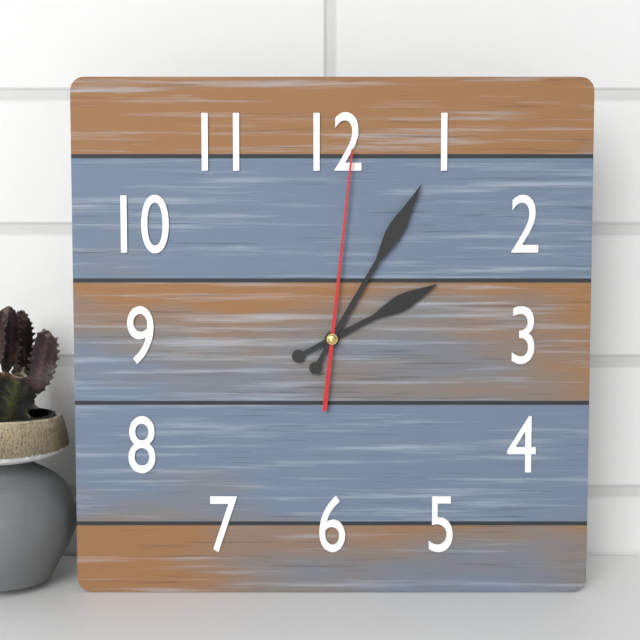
2 h 05 min 01 s
